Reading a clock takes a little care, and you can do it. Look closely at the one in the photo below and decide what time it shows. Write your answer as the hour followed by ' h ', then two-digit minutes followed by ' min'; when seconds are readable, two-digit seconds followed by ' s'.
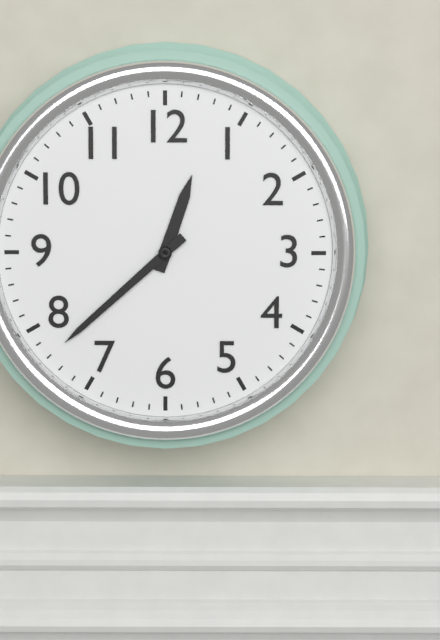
12 h 38 min
